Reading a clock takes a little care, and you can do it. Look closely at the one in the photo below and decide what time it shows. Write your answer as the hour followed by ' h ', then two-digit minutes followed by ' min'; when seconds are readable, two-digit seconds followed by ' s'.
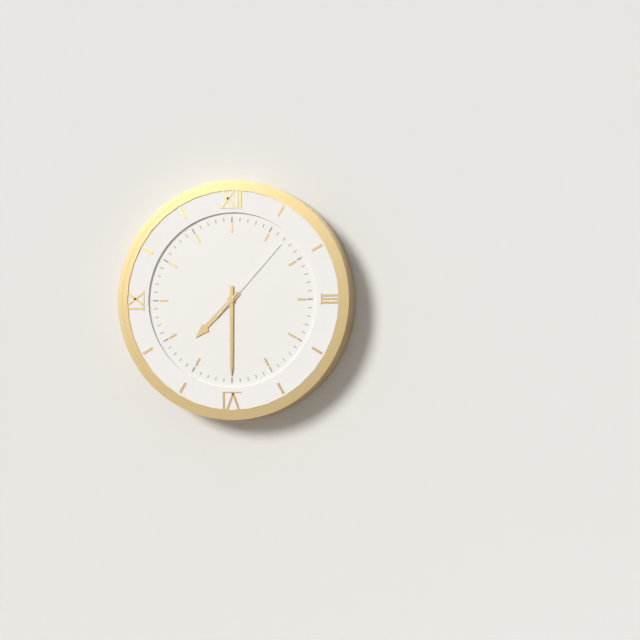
7 h 30 min 07 s
